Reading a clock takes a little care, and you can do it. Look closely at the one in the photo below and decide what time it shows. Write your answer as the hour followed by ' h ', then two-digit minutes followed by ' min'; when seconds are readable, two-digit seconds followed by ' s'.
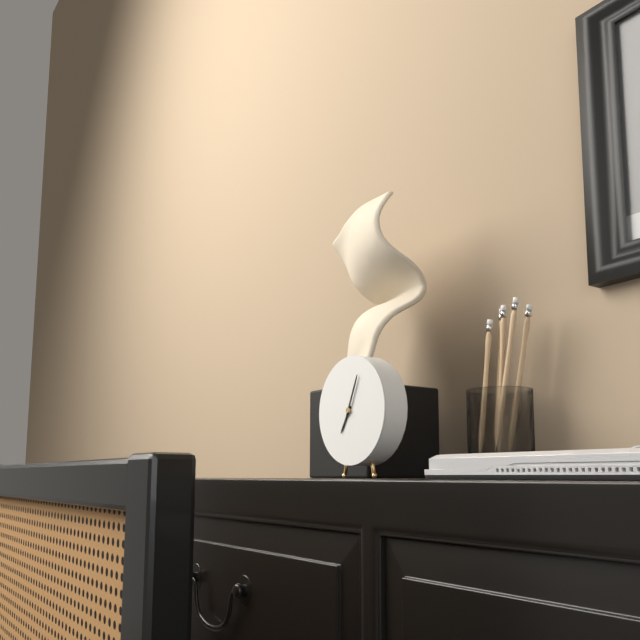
7 h 04 min
